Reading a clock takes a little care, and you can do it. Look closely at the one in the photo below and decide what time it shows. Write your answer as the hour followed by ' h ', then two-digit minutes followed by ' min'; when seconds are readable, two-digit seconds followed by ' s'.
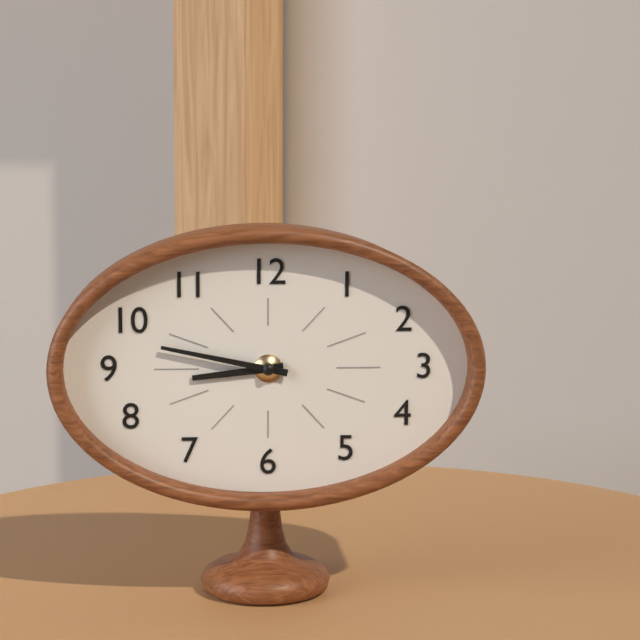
8 h 47 min
